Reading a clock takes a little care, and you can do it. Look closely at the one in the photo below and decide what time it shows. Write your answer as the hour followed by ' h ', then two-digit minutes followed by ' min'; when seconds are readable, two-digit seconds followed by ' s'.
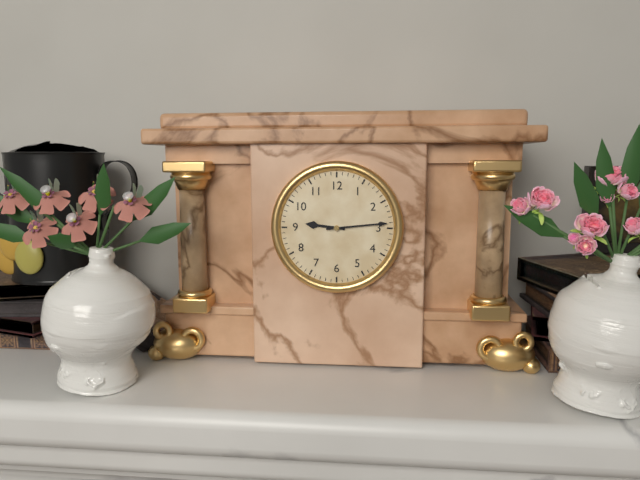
9 h 14 min
